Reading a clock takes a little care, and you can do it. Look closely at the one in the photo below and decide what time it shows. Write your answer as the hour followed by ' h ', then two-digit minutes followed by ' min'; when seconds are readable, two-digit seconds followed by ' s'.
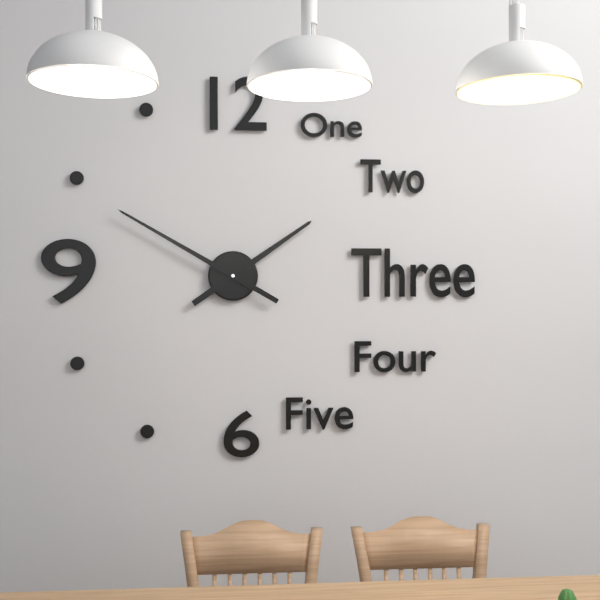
1 h 50 min
